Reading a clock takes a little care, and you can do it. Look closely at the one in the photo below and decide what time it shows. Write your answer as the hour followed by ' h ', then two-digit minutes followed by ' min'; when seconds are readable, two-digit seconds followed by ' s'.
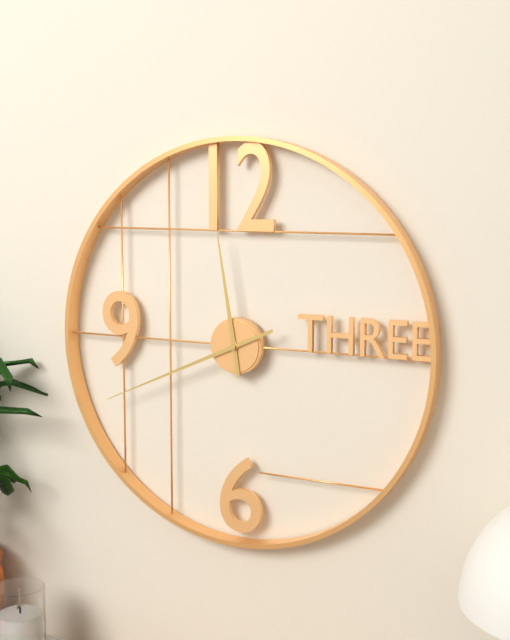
11 h 41 min
